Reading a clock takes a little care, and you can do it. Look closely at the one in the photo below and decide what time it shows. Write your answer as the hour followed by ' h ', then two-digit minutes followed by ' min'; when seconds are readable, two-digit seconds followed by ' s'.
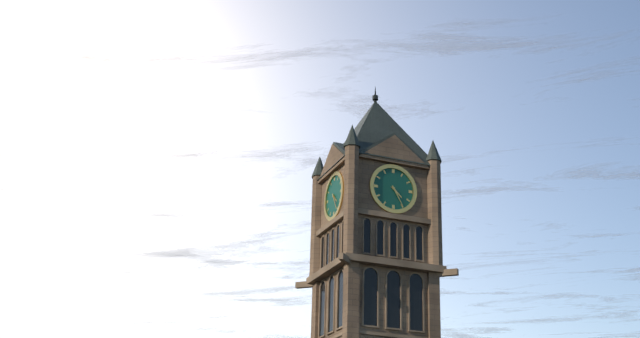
4 h 25 min
